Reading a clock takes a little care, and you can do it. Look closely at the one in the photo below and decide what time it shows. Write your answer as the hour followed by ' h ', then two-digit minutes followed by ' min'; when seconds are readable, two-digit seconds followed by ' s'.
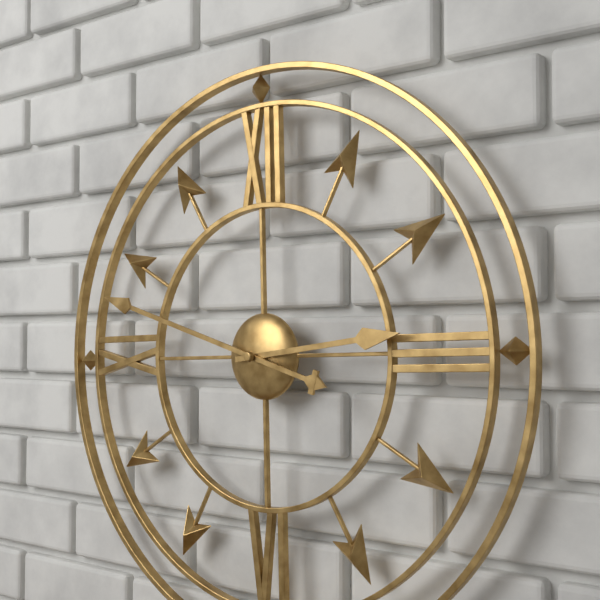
2 h 48 min
